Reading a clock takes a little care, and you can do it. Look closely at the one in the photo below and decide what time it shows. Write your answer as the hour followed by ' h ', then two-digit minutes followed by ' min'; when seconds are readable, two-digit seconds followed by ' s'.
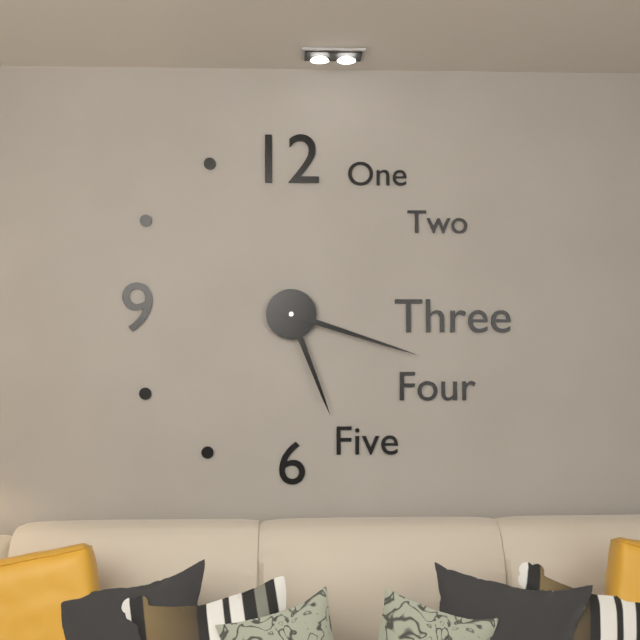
5 h 18 min
